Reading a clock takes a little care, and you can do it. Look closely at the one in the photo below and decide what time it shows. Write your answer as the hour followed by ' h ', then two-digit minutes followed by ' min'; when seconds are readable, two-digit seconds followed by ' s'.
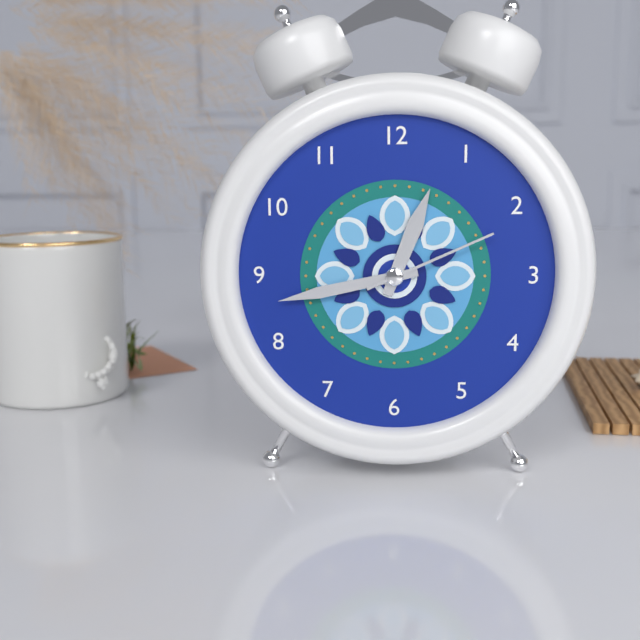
12 h 43 min 11 s
